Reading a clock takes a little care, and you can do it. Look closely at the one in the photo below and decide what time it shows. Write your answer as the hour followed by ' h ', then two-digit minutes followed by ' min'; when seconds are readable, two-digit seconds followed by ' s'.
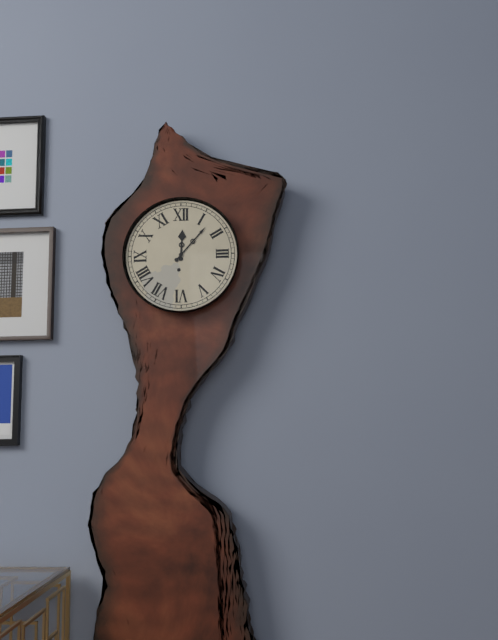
12 h 07 min
